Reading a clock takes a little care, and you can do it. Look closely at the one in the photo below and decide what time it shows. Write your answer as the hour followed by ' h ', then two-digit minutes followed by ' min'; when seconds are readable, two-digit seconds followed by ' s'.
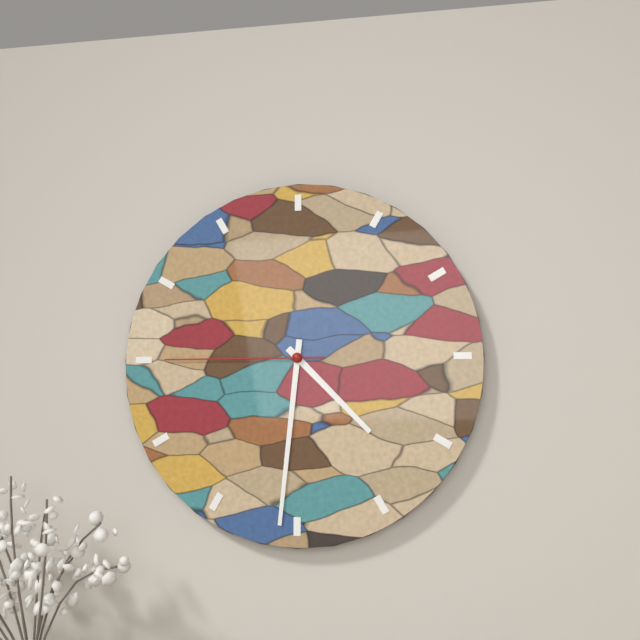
4 h 31 min 45 s
